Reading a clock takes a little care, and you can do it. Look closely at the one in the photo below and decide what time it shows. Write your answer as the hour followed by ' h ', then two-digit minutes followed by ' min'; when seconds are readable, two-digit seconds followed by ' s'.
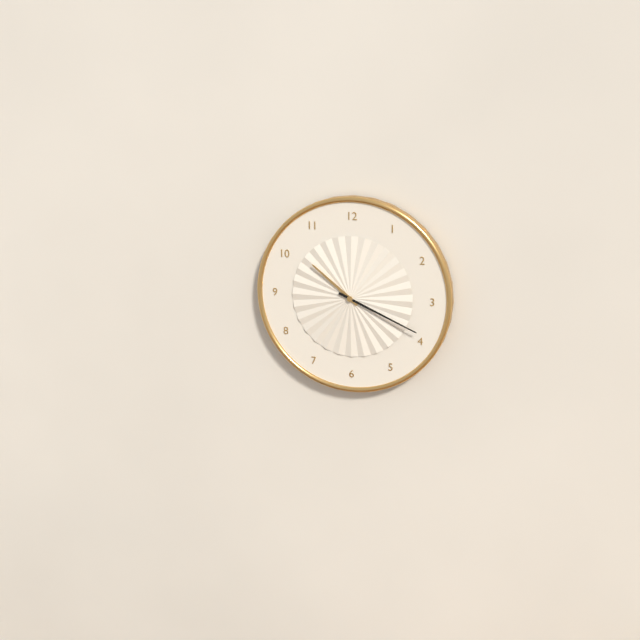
10 h 19 min
